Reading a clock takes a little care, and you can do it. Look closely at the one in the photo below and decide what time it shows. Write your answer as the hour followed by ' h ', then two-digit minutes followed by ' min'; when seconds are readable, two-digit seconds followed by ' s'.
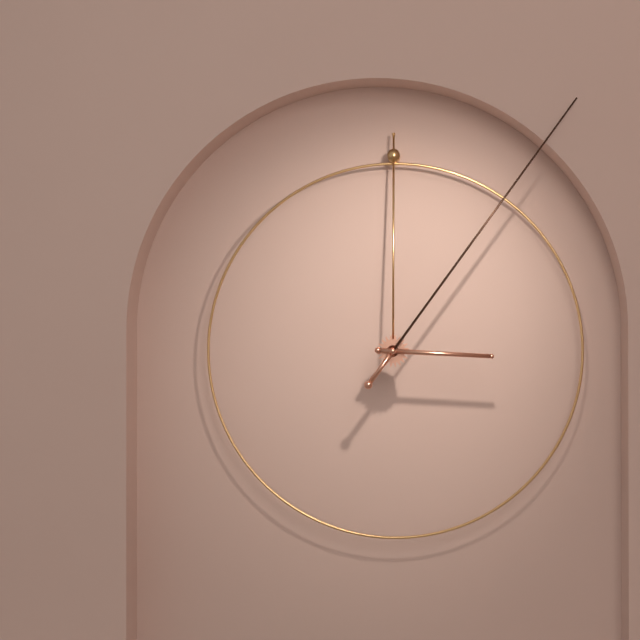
3 h 06 min
